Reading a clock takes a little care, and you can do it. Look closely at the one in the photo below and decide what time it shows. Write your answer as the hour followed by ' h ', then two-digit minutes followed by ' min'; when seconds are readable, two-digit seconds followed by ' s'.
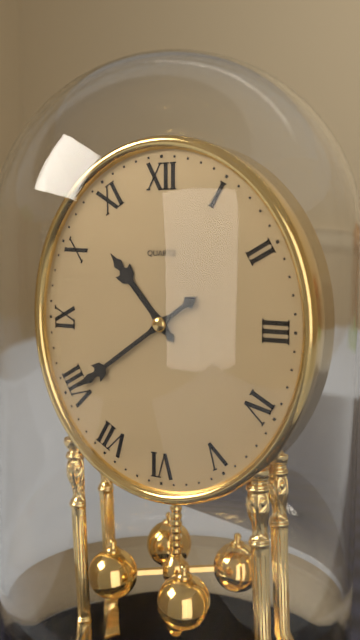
10 h 39 min
